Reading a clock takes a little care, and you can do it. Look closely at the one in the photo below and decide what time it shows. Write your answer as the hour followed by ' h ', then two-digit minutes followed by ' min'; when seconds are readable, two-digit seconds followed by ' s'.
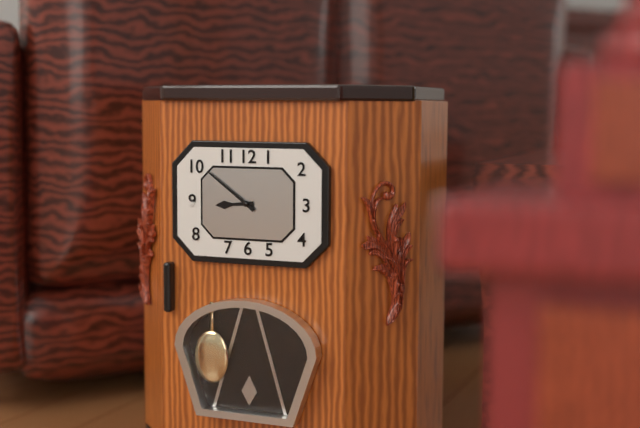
8 h 51 min
